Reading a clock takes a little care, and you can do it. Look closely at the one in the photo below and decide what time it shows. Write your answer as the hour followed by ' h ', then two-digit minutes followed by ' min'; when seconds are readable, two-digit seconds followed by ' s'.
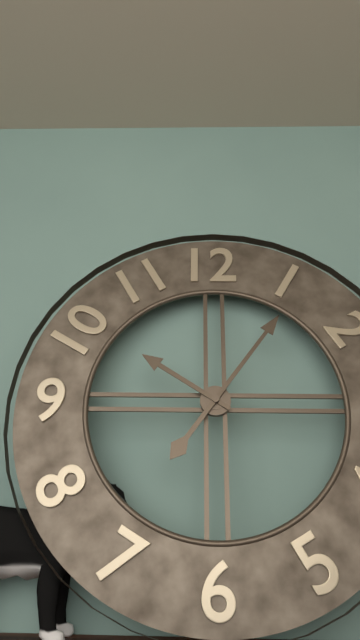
10 h 06 min
